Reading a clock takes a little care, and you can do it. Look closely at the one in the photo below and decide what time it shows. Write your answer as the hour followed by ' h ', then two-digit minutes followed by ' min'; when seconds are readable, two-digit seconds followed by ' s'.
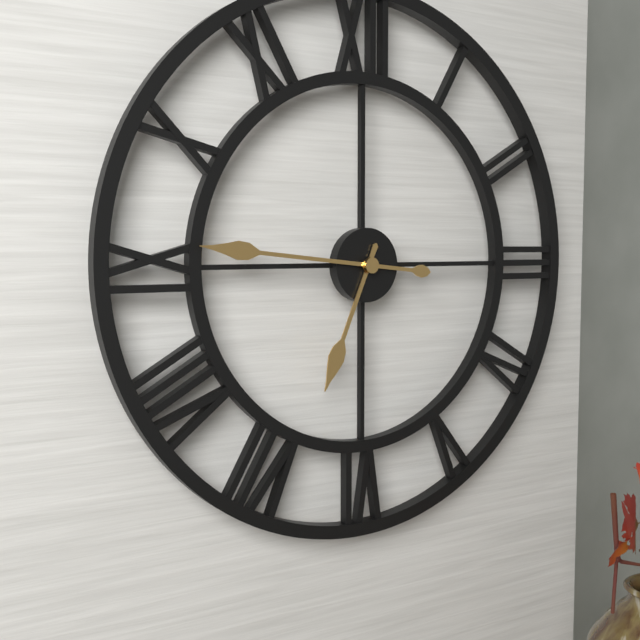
6 h 46 min
